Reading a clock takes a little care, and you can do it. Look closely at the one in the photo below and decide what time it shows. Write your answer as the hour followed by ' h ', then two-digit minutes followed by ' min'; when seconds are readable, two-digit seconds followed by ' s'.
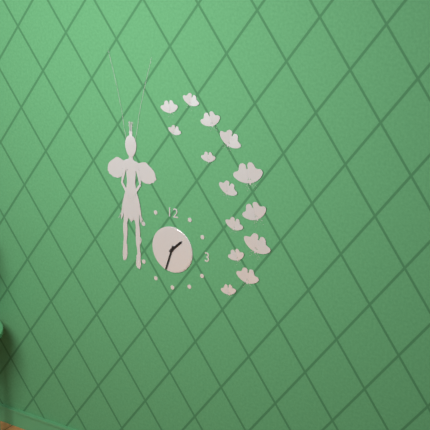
1 h 33 min
